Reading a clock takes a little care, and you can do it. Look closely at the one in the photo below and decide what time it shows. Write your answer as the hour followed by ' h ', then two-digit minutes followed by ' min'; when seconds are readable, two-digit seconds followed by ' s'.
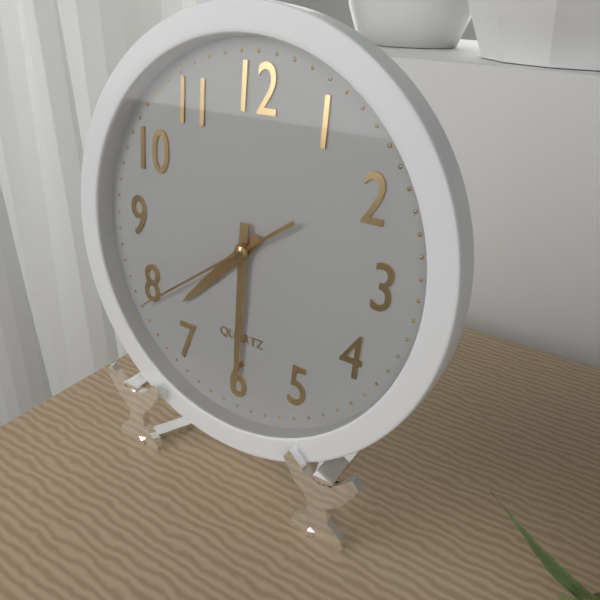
7 h 30 min 39 s
